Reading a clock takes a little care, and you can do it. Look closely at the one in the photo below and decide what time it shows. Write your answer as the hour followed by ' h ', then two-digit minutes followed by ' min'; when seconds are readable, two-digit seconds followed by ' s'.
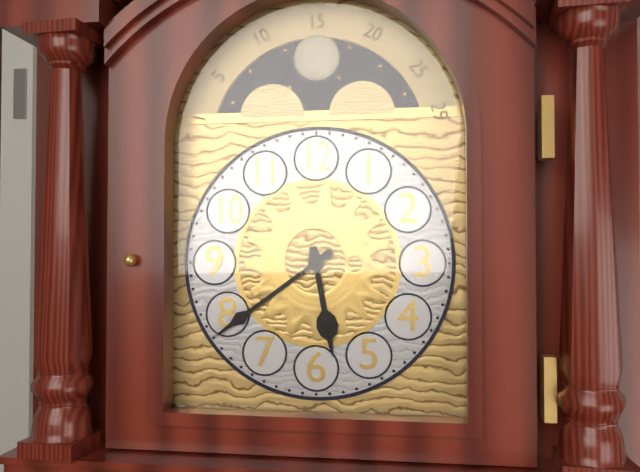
5 h 39 min
